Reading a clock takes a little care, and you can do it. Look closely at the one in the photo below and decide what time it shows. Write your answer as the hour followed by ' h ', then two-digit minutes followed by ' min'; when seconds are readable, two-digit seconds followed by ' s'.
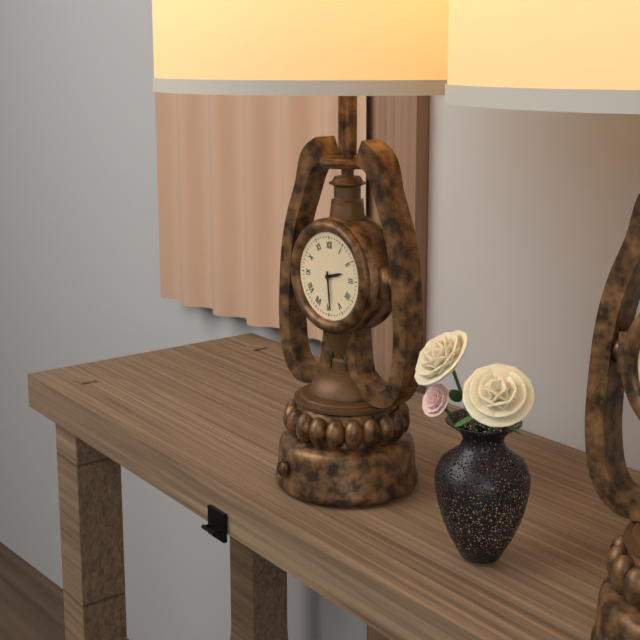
2 h 29 min
